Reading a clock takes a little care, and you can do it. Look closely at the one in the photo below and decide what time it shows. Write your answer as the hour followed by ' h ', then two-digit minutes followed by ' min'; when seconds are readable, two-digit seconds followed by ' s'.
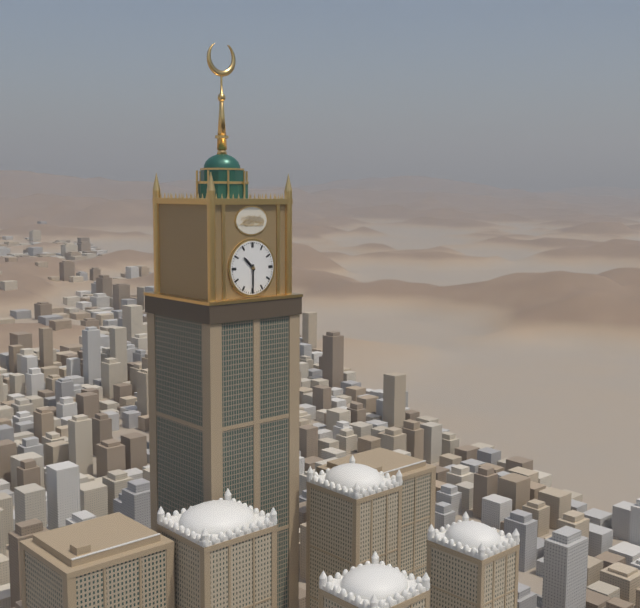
10 h 30 min
